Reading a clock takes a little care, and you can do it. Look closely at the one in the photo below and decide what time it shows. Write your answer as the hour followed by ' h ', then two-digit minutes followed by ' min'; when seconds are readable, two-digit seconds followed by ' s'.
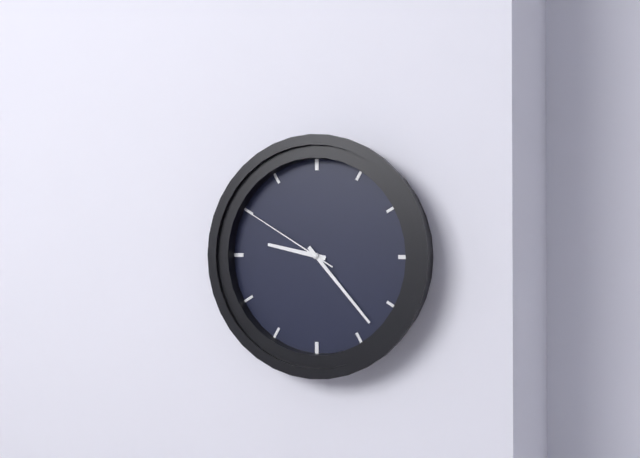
9 h 23 min 50 s
